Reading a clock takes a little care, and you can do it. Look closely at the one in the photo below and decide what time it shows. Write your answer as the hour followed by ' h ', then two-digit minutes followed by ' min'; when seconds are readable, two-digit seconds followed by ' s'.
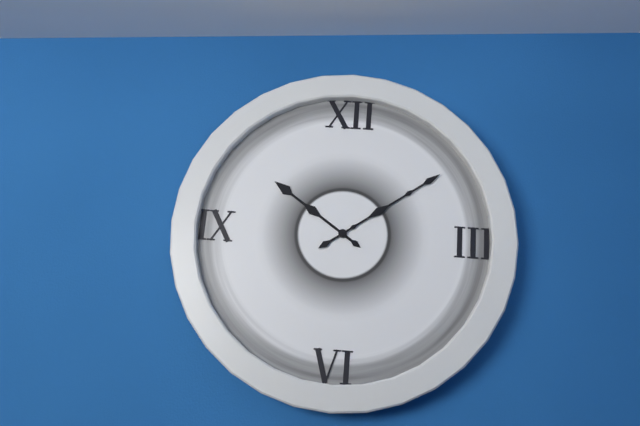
10 h 09 min
